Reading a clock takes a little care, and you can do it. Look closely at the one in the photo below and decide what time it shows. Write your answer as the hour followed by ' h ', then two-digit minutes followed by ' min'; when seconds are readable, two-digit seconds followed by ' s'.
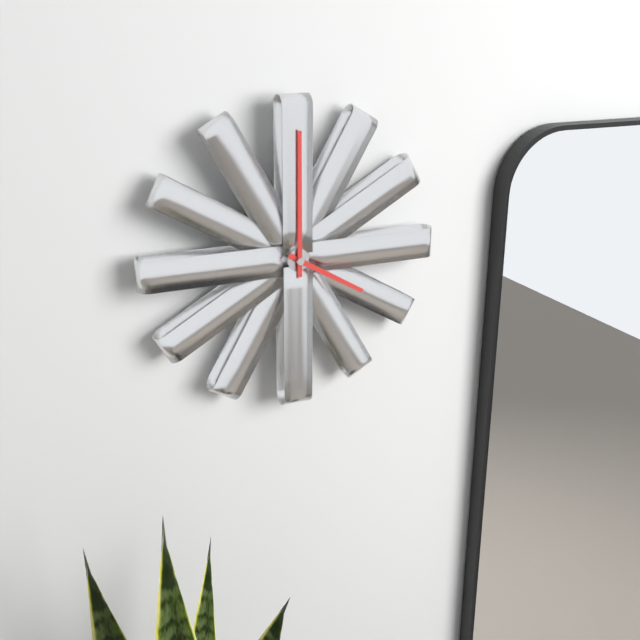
4 h 00 min
